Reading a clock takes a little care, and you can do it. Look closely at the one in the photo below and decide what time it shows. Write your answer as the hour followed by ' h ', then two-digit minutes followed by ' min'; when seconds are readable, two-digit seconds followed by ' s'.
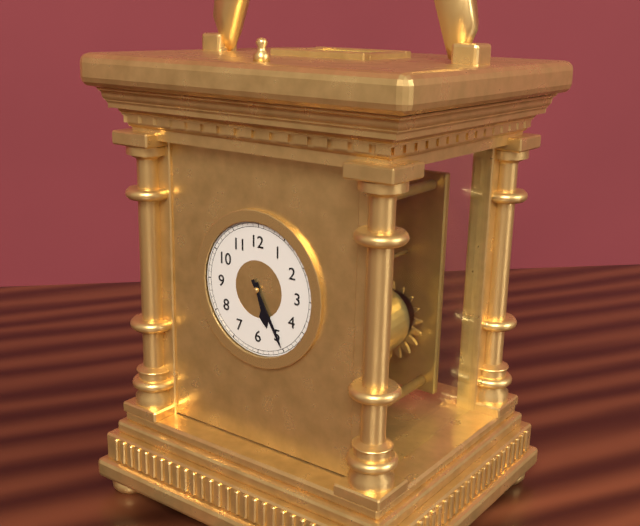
5 h 25 min
